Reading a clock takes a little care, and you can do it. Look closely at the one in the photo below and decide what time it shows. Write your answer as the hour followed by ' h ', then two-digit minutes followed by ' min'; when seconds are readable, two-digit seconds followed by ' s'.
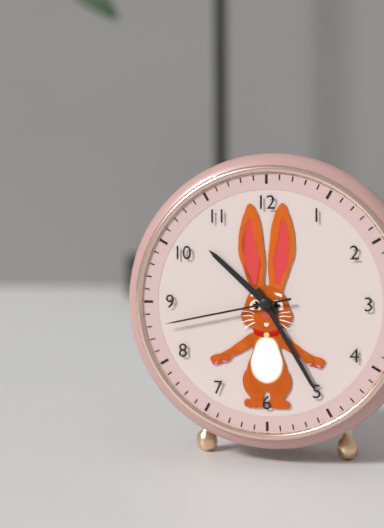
10 h 25 min 43 s
